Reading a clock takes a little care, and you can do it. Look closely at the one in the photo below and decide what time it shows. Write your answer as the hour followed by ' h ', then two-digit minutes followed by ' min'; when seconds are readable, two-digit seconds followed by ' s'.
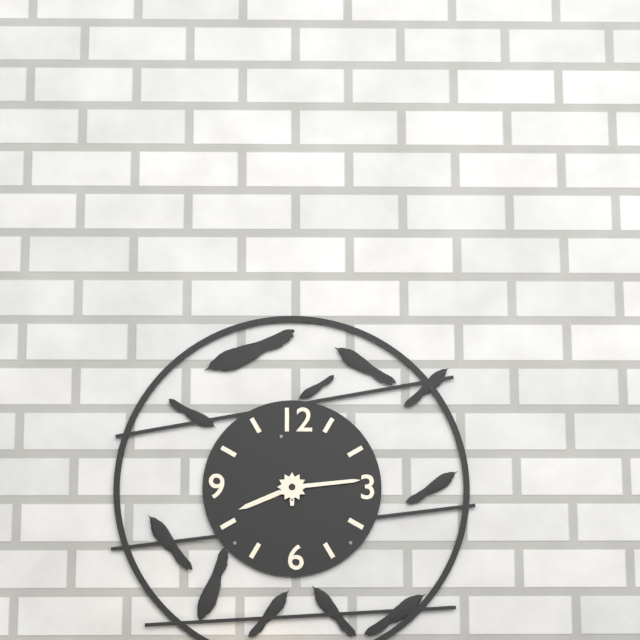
8 h 14 min
